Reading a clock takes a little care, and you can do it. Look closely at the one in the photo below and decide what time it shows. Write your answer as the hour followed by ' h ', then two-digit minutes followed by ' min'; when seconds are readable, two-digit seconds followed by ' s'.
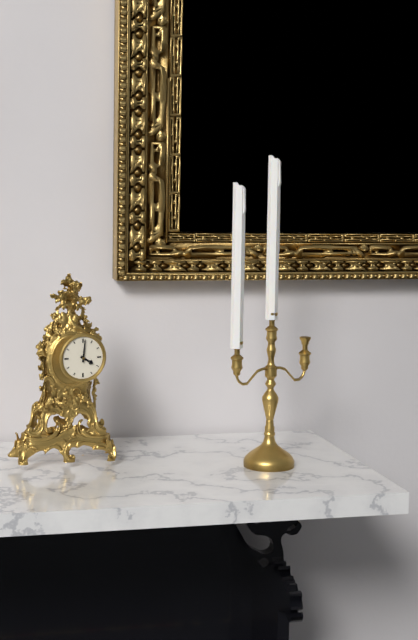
4 h 01 min
